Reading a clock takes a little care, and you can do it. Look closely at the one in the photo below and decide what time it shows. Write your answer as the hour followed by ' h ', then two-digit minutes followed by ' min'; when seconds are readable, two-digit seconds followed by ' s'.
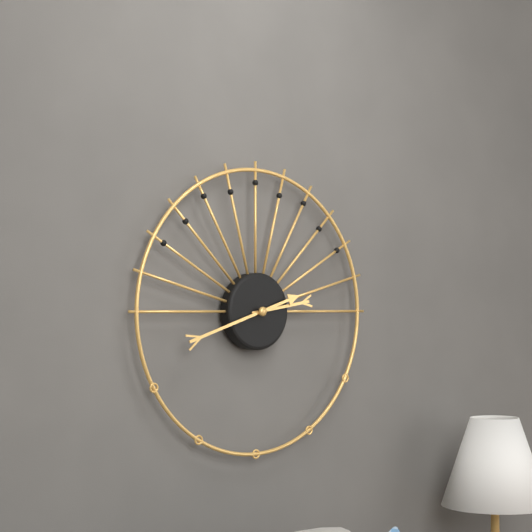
2 h 42 min
